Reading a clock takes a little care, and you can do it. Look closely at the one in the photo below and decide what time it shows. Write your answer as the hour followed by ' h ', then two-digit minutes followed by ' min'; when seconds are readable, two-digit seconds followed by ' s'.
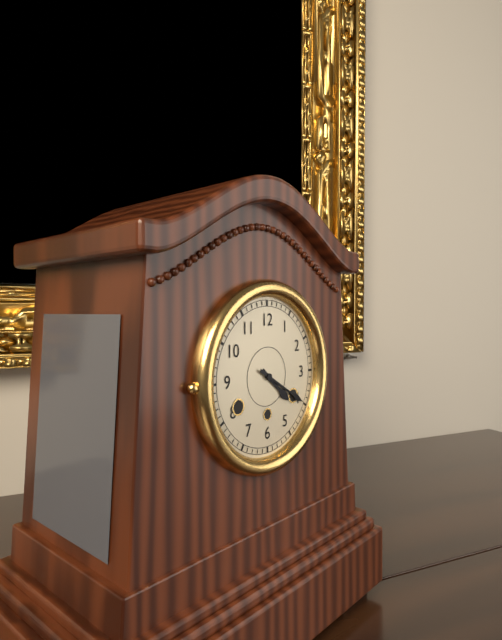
4 h 20 min
